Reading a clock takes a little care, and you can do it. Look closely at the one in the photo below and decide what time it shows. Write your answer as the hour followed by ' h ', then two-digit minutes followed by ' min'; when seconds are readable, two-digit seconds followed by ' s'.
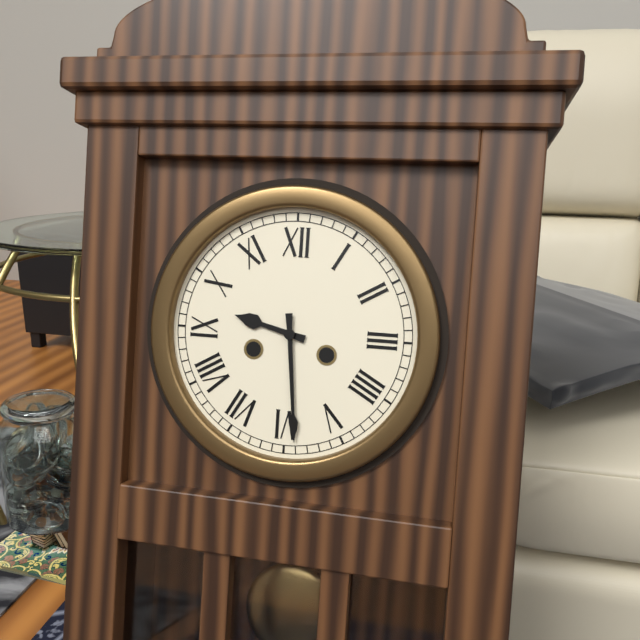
9 h 29 min
